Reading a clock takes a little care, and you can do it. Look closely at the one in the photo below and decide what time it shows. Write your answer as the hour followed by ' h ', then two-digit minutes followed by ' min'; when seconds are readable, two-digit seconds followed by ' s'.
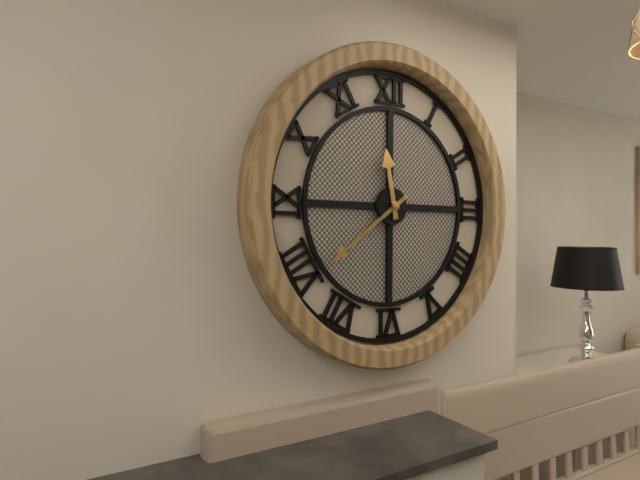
11 h 39 min
